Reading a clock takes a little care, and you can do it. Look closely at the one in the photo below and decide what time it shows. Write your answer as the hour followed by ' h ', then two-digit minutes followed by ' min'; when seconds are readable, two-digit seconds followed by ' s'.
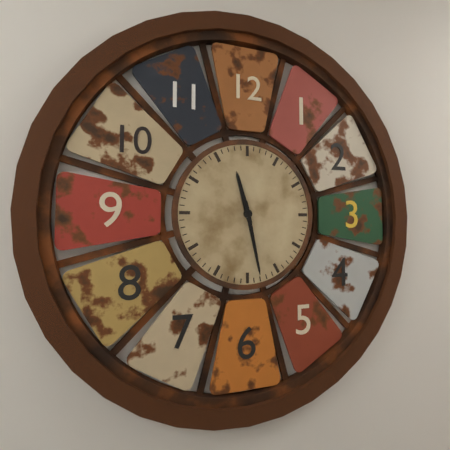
11 h 28 min
